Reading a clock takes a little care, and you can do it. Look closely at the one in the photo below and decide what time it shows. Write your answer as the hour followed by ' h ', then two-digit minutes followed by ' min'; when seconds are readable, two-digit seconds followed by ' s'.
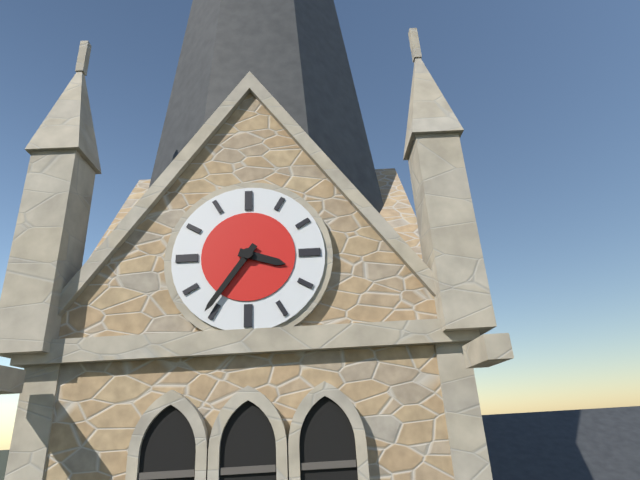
3 h 36 min
